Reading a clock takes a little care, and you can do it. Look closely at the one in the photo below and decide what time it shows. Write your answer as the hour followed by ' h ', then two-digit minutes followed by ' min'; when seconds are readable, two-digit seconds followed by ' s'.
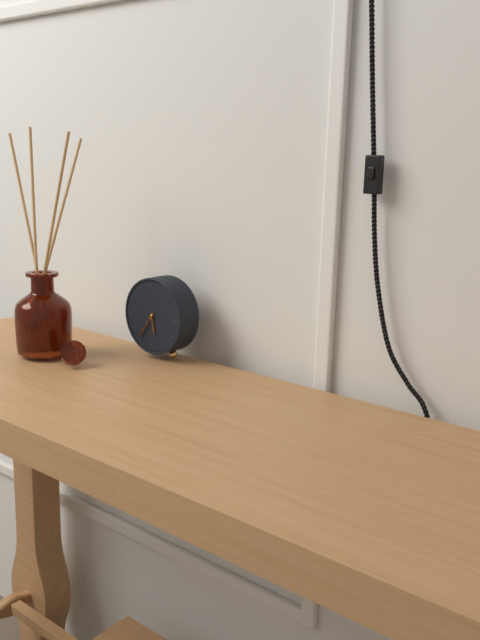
5 h 36 min
